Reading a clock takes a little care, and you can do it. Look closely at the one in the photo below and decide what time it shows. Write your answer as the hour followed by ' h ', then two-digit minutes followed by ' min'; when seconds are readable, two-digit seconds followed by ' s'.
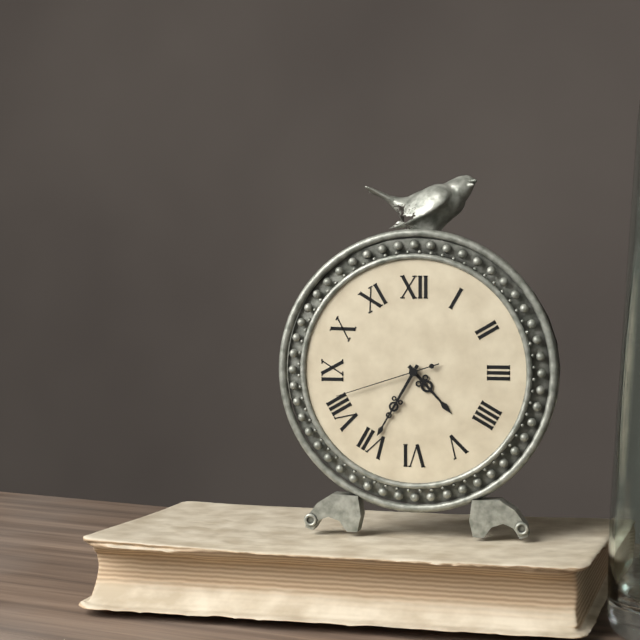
4 h 35 min 42 s
